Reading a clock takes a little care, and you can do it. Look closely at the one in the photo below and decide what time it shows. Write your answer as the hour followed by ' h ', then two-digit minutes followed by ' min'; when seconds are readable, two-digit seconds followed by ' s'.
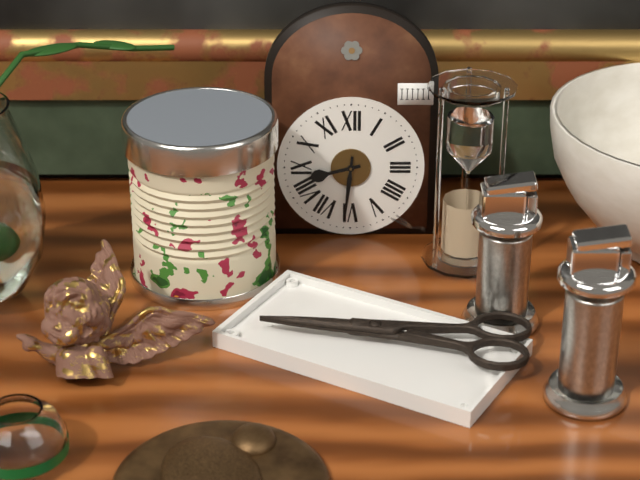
8 h 31 min
